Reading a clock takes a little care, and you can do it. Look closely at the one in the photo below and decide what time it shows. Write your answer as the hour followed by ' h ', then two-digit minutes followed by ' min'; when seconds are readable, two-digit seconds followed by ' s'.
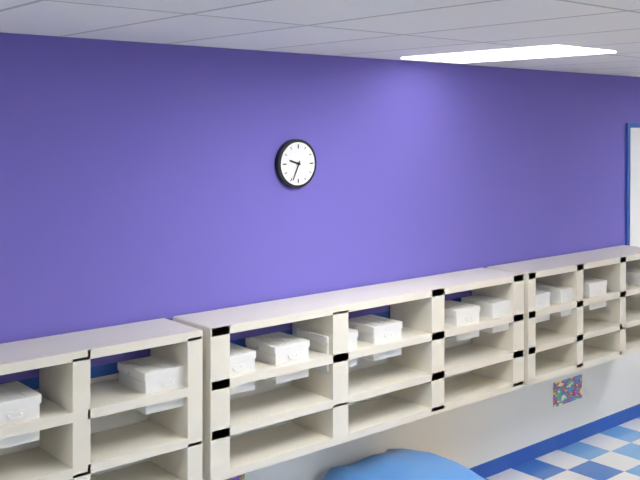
9 h 34 min
